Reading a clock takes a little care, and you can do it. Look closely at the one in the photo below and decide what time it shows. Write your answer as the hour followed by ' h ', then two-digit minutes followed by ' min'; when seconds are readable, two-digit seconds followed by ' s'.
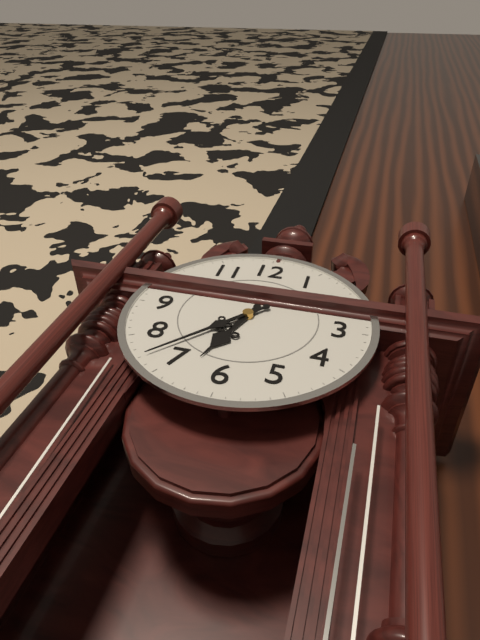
6 h 37 min
